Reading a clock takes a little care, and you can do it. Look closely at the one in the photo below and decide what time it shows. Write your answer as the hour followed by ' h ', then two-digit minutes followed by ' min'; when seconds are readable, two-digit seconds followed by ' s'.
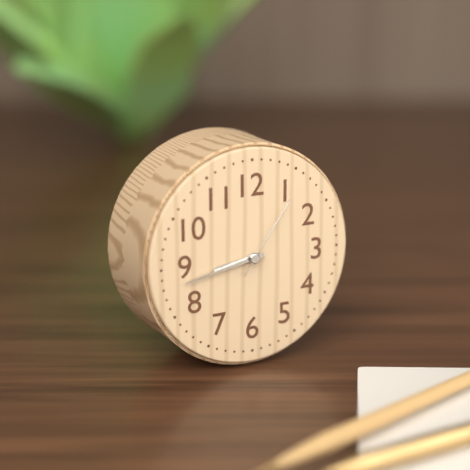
8 h 43 min 06 s
